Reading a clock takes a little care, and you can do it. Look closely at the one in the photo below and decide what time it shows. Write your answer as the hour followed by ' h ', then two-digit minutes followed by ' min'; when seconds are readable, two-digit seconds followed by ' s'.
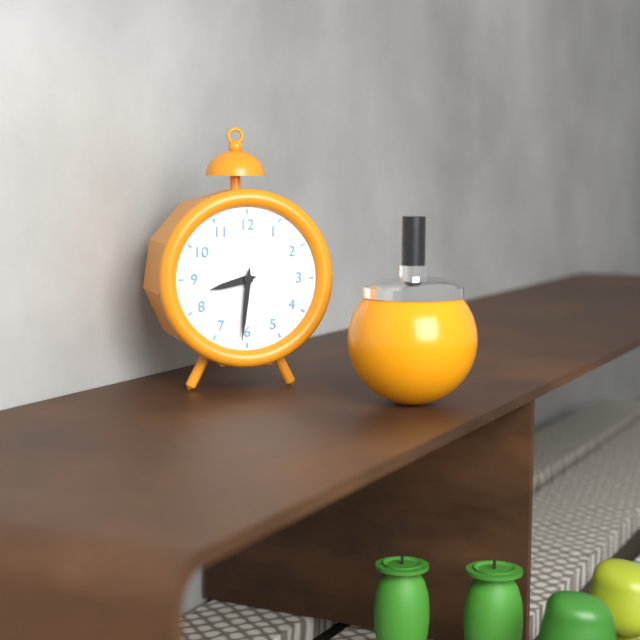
8 h 31 min
